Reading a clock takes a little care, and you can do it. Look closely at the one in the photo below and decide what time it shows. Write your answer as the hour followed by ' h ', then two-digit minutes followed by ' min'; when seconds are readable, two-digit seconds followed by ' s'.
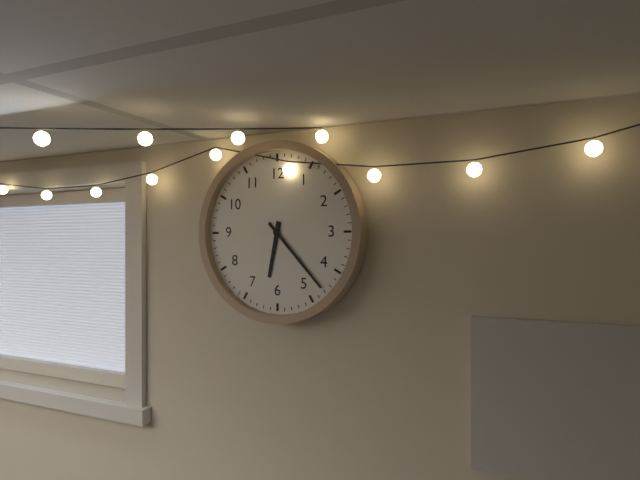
6 h 23 min
